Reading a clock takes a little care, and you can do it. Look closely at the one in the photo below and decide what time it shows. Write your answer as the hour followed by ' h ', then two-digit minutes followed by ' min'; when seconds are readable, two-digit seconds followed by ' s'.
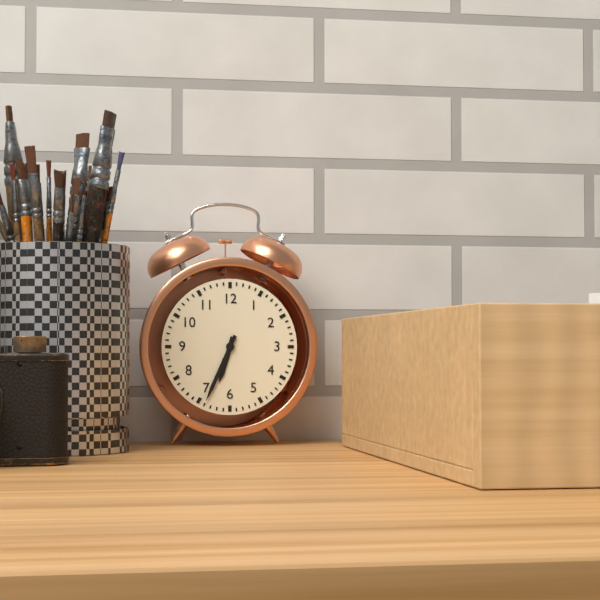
6 h 34 min
